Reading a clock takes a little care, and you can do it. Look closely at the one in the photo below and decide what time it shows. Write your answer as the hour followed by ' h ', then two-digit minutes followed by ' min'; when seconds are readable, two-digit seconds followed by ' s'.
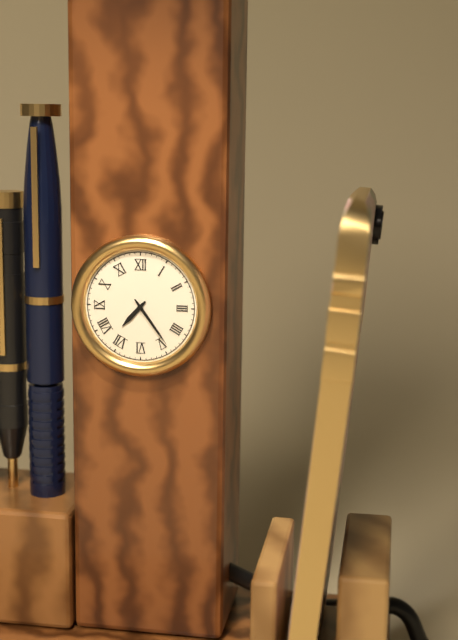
7 h 24 min
